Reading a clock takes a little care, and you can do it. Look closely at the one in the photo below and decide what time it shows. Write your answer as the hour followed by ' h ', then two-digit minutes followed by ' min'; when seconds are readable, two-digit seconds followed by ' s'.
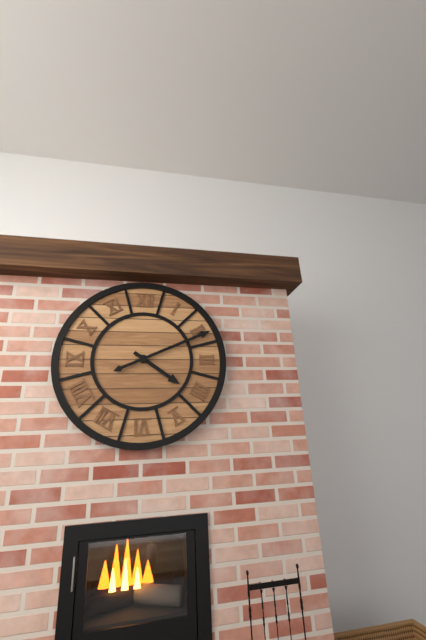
4 h 11 min
